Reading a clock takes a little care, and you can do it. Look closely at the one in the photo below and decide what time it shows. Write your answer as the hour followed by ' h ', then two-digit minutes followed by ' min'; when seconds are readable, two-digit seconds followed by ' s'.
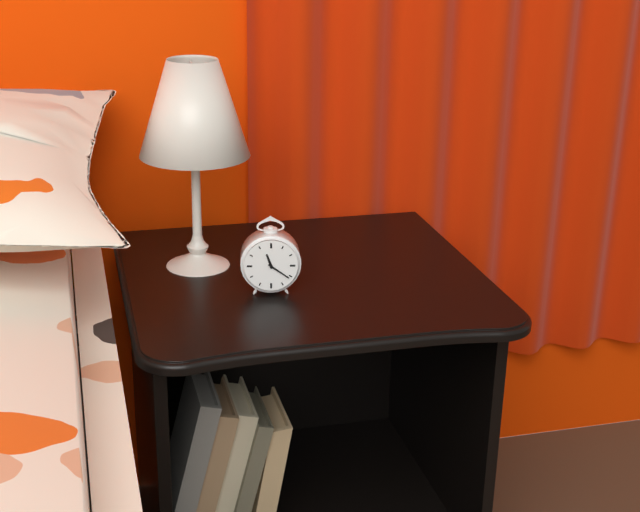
11 h 21 min
